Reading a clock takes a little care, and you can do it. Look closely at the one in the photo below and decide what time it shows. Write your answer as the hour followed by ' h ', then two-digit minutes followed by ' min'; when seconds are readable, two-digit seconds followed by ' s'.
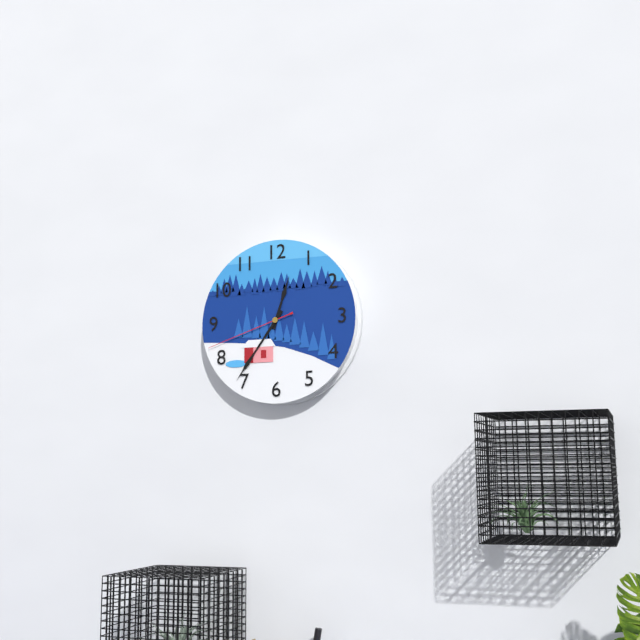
12 h 36 min 42 s
